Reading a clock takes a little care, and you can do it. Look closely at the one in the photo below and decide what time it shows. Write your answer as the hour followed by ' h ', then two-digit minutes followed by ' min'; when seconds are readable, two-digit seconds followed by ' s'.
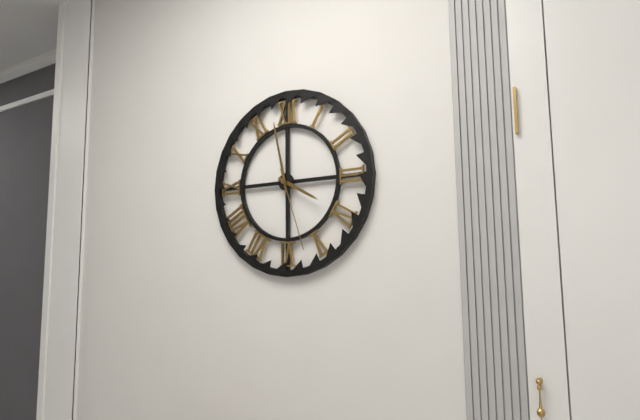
3 h 58 min 27 s
